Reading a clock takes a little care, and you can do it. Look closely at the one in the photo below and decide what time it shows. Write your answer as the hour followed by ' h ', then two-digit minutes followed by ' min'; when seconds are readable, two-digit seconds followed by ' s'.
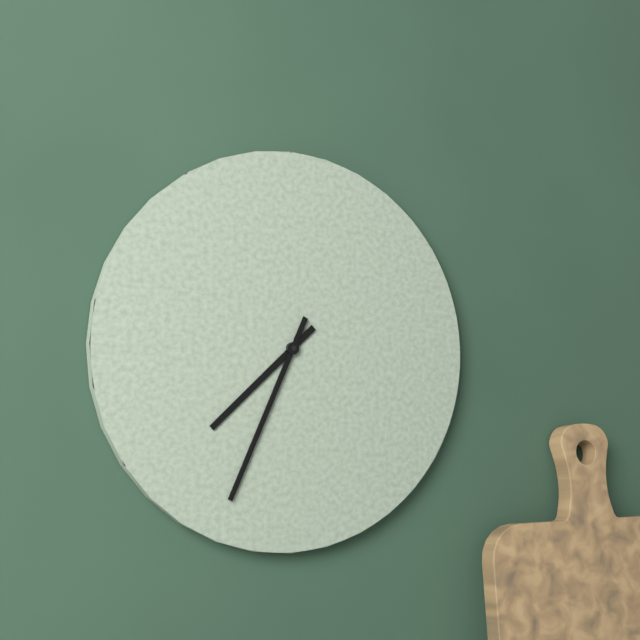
7 h 34 min
